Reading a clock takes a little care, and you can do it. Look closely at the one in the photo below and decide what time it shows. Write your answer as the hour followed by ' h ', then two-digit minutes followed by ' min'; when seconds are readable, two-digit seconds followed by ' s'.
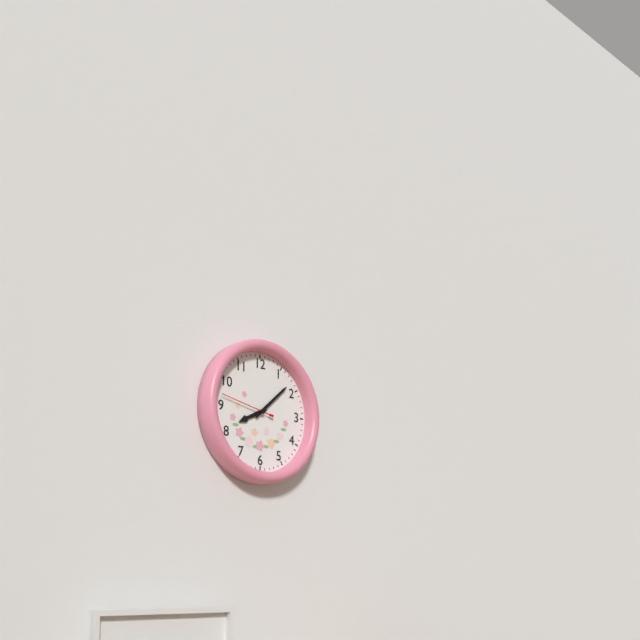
8 h 08 min 47 s
